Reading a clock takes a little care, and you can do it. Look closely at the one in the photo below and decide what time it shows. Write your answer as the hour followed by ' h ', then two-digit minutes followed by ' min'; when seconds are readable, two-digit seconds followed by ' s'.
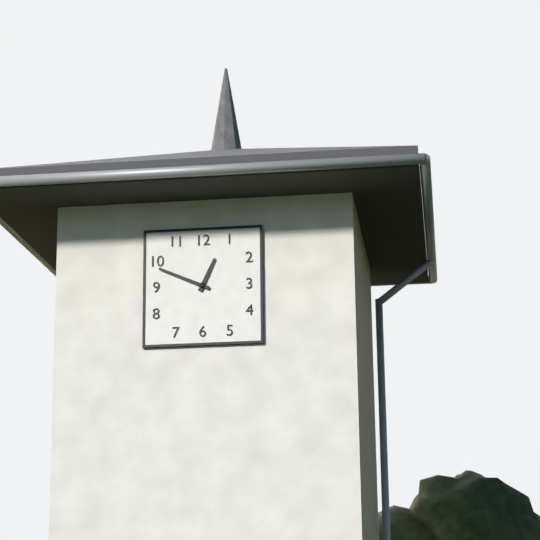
12 h 49 min
